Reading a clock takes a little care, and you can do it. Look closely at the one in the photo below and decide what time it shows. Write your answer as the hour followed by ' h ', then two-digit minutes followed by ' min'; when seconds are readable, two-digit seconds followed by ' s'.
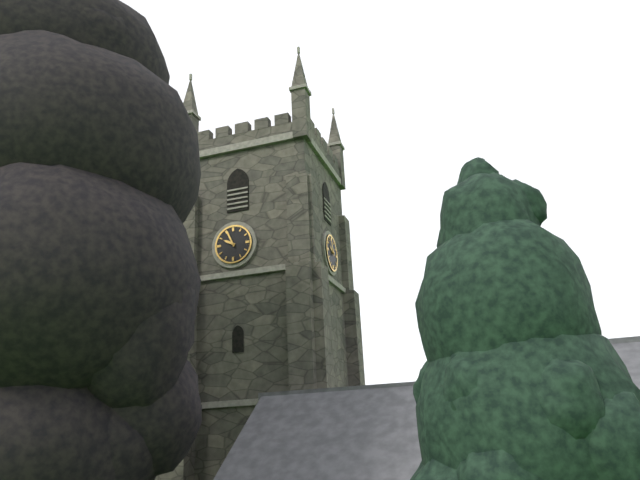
9 h 56 min
